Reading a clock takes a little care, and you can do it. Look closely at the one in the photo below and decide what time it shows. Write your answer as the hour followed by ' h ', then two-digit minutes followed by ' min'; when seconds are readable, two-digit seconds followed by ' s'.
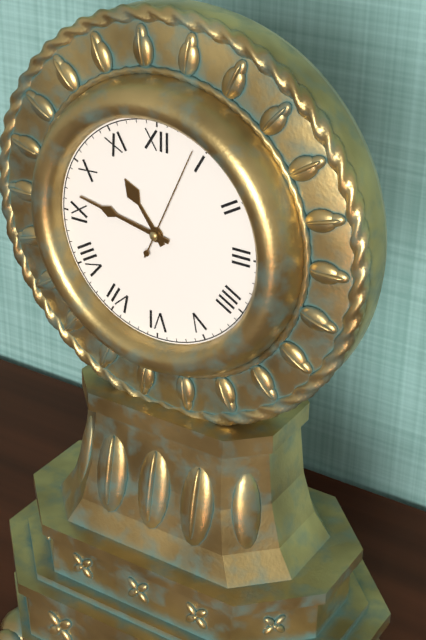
10 h 47 min 04 s
